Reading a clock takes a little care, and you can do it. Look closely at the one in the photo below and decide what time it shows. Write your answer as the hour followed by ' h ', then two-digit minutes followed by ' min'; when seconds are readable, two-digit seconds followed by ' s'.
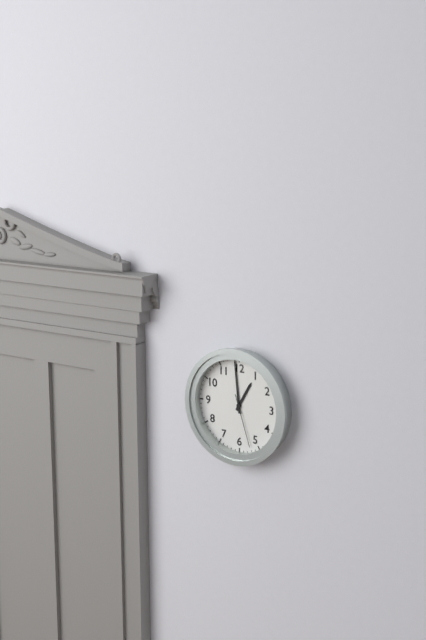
12 h 59 min 27 s
